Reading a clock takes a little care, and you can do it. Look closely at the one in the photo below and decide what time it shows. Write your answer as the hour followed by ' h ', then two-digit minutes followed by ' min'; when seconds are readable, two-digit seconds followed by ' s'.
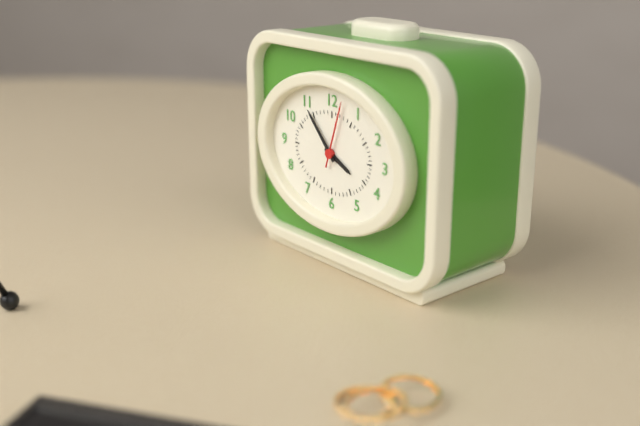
3 h 53 min 03 s
